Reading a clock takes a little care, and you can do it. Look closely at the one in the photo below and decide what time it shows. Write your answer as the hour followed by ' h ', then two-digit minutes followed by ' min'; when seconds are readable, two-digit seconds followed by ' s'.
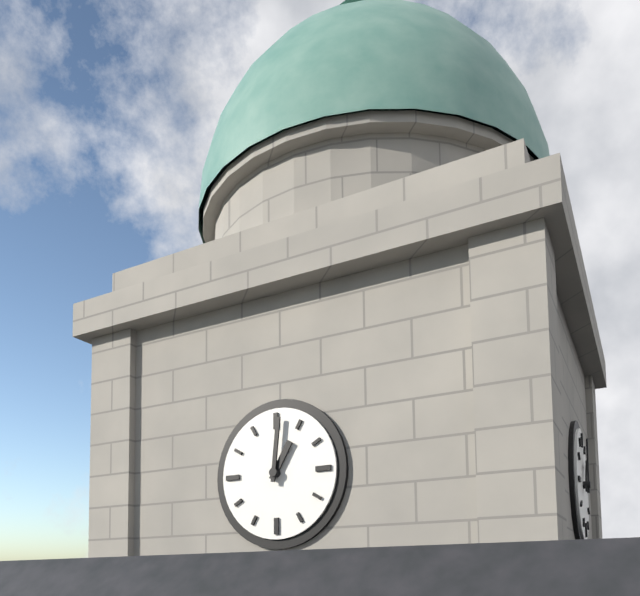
1 h 01 min
